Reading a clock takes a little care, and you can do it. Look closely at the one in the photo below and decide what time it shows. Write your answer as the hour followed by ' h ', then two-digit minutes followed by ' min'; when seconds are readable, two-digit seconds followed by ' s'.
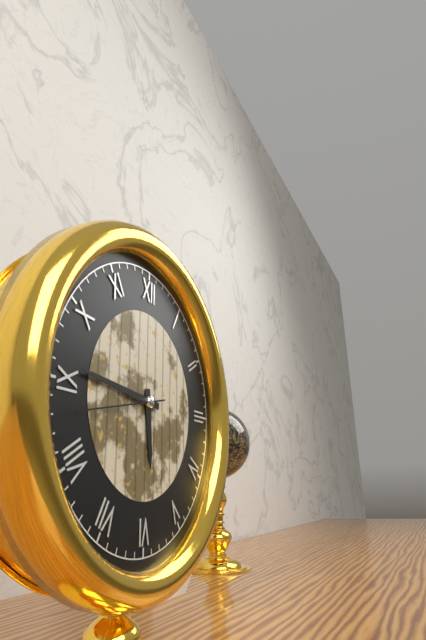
5 h 46 min 43 s
